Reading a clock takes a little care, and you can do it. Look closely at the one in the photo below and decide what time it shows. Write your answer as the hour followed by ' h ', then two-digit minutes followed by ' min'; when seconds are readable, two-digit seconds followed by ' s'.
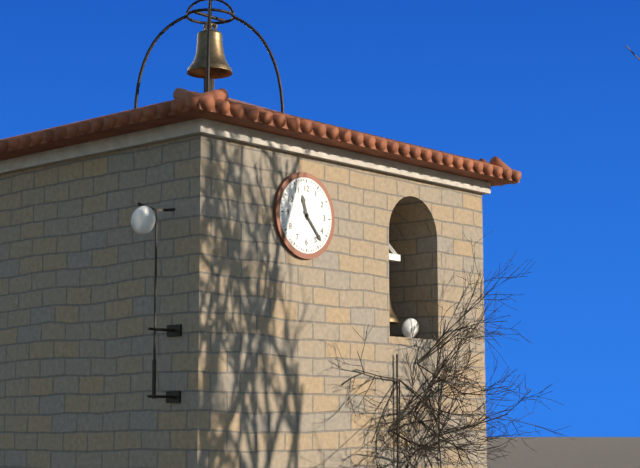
11 h 23 min
